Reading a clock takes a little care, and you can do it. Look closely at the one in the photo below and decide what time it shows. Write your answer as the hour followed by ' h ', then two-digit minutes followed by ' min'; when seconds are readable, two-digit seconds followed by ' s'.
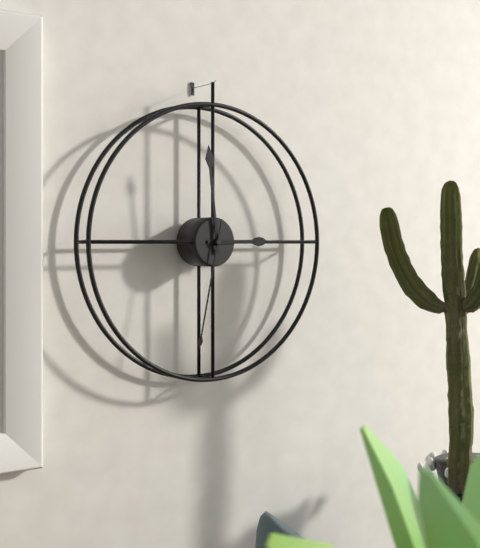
2 h 59 min 32 s
